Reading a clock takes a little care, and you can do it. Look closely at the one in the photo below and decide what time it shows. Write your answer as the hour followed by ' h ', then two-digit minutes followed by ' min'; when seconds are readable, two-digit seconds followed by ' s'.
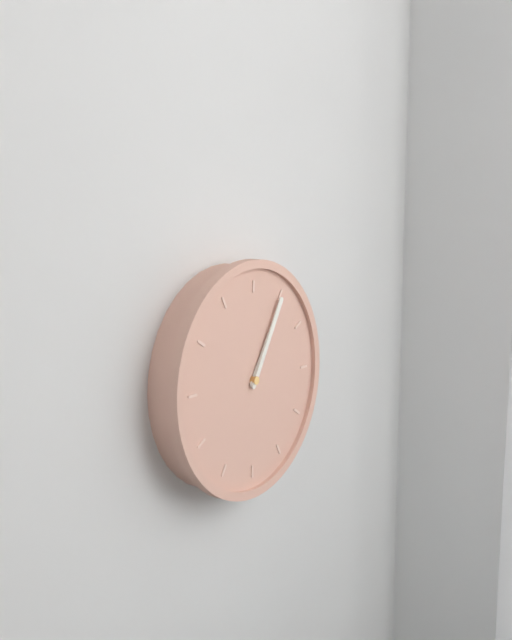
1 h 05 min
